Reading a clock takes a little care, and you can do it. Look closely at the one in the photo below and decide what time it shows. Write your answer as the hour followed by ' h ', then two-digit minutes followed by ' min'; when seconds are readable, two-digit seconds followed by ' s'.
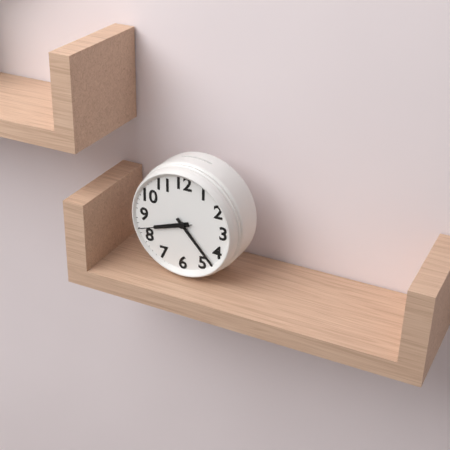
8 h 23 min 42 s
